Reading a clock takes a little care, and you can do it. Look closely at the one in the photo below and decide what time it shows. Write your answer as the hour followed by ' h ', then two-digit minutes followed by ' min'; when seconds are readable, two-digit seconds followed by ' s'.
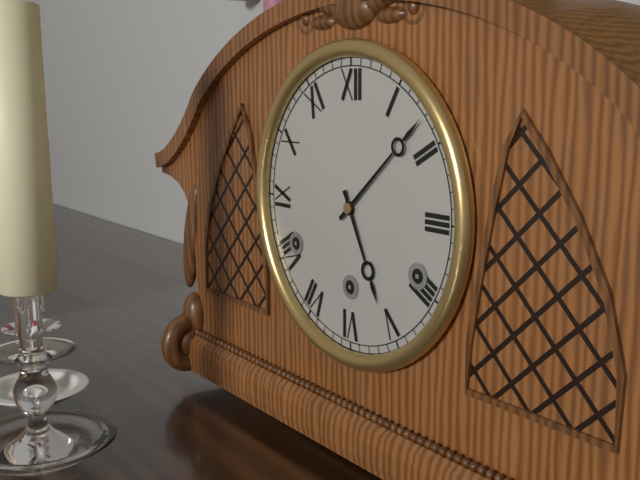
5 h 08 min
